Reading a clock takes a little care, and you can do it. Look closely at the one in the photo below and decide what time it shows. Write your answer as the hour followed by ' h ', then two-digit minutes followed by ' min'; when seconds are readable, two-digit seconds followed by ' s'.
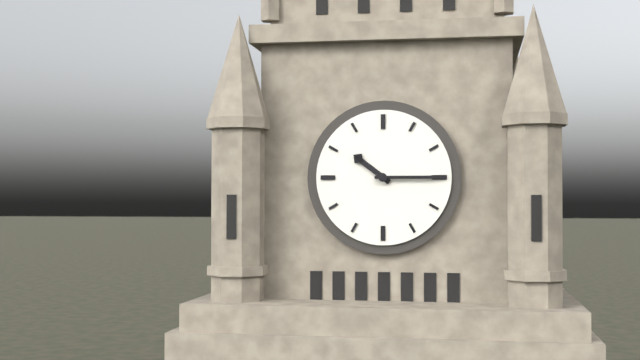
10 h 15 min
